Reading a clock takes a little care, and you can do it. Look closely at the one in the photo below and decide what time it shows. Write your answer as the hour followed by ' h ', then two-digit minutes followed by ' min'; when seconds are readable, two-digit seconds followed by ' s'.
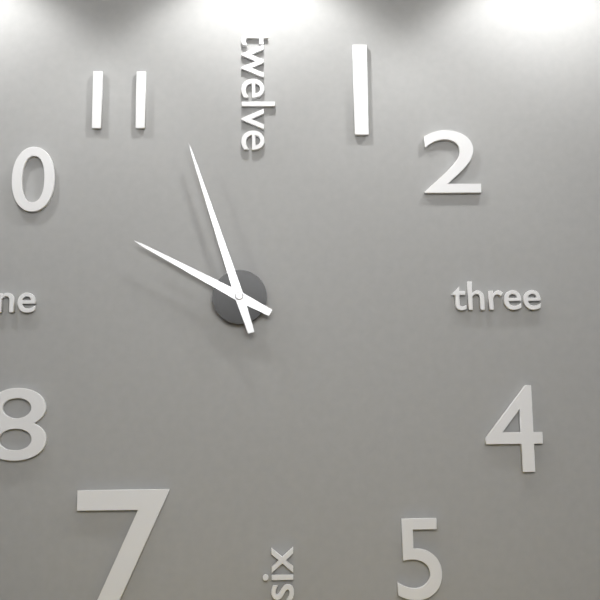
9 h 57 min
